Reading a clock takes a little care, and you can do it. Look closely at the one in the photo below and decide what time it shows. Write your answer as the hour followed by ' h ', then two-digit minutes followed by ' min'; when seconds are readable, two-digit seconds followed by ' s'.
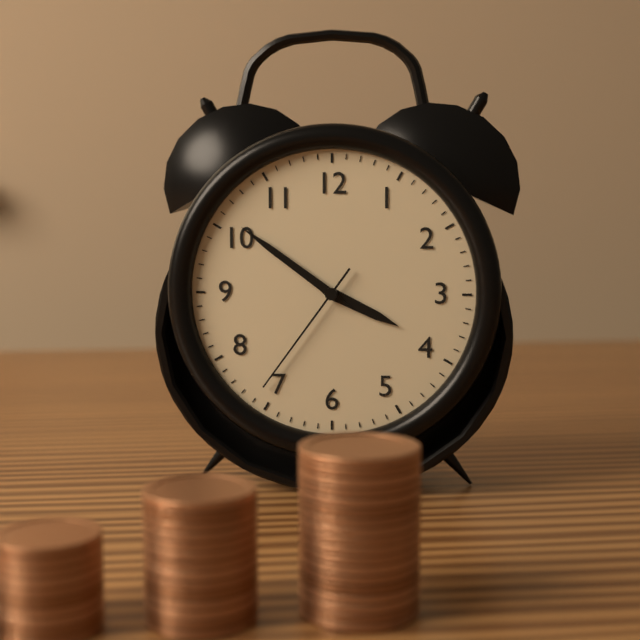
3 h 51 min 36 s
